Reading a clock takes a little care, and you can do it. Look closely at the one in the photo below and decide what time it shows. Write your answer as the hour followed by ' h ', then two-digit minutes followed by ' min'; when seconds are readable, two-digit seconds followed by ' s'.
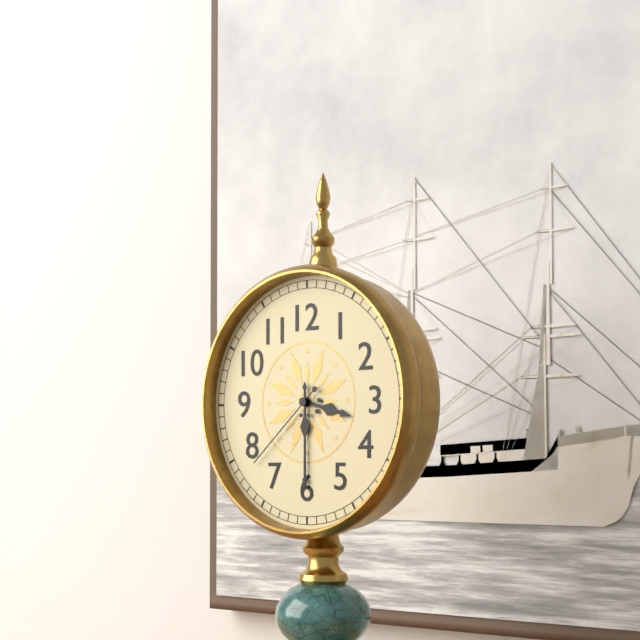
3 h 30 min 38 s
